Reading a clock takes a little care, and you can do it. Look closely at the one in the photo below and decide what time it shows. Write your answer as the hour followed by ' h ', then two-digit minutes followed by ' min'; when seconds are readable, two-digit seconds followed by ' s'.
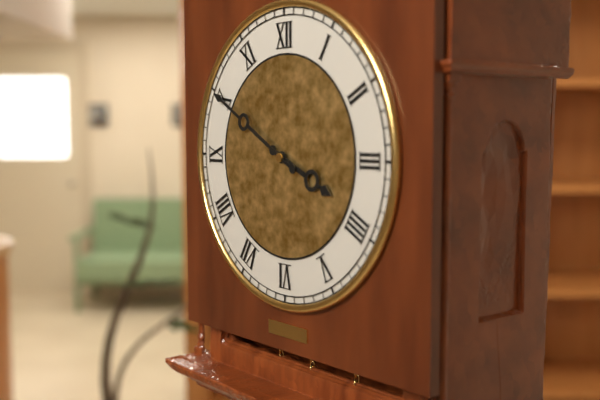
3 h 50 min
